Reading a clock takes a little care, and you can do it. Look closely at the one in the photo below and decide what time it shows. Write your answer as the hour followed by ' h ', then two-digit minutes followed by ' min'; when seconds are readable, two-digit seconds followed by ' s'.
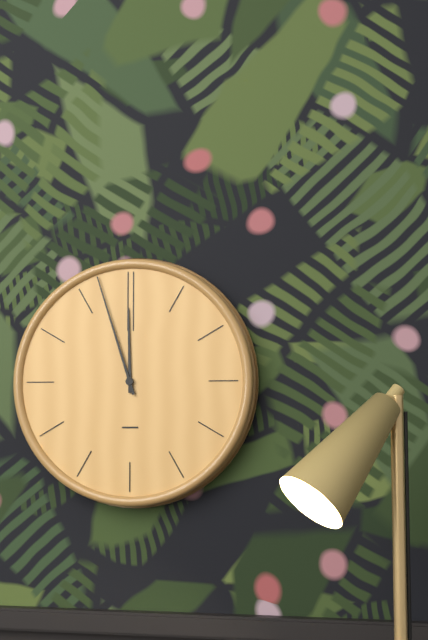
11 h 57 min
